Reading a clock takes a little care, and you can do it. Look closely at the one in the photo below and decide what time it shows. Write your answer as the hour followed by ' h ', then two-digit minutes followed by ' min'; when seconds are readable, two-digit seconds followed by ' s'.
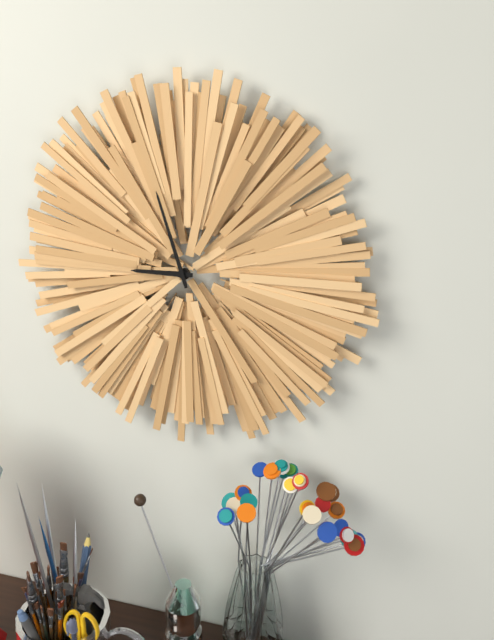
8 h 57 min
